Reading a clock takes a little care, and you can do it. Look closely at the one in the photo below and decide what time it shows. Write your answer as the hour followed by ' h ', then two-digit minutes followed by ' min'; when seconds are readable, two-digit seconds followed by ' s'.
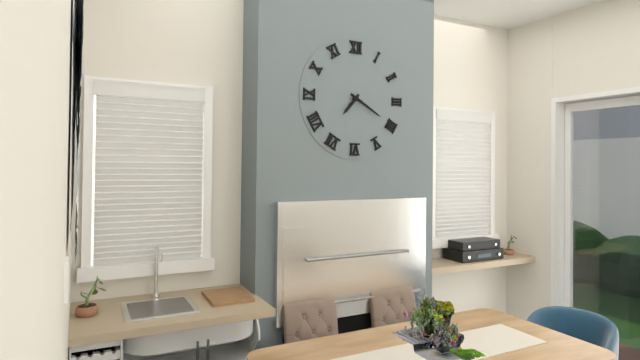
7 h 20 min
